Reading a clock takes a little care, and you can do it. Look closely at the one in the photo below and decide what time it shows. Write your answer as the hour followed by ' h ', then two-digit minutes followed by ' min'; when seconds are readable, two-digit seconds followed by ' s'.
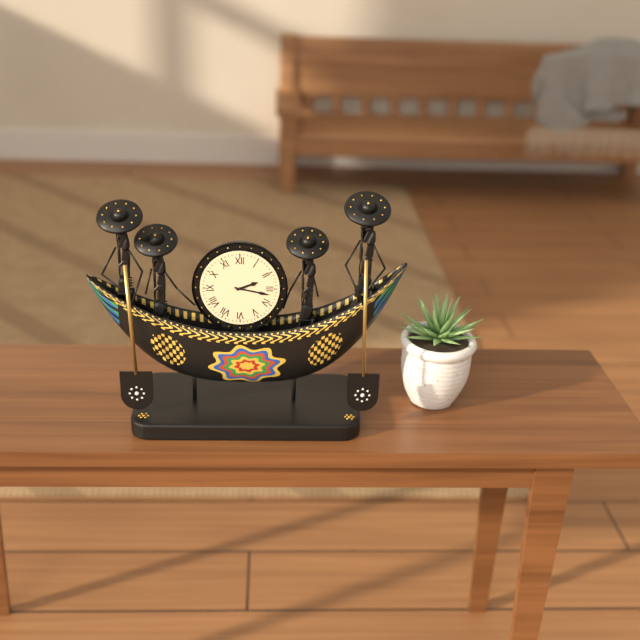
2 h 17 min
